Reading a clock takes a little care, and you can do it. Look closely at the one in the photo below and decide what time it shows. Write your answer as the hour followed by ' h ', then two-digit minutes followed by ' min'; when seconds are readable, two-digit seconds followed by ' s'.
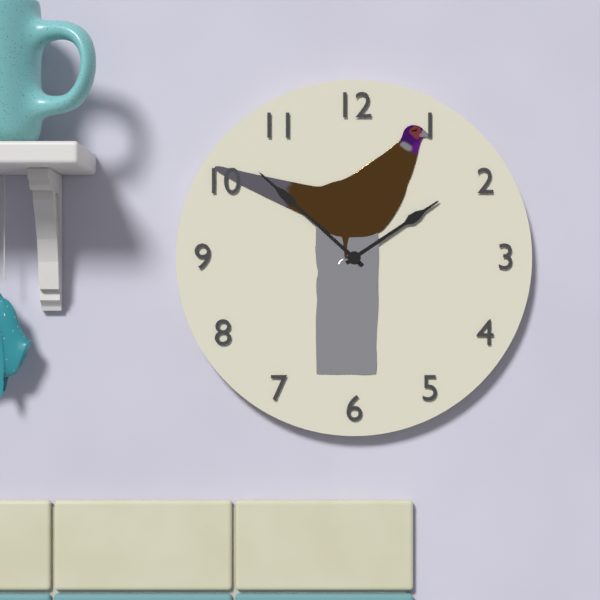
1 h 52 min
